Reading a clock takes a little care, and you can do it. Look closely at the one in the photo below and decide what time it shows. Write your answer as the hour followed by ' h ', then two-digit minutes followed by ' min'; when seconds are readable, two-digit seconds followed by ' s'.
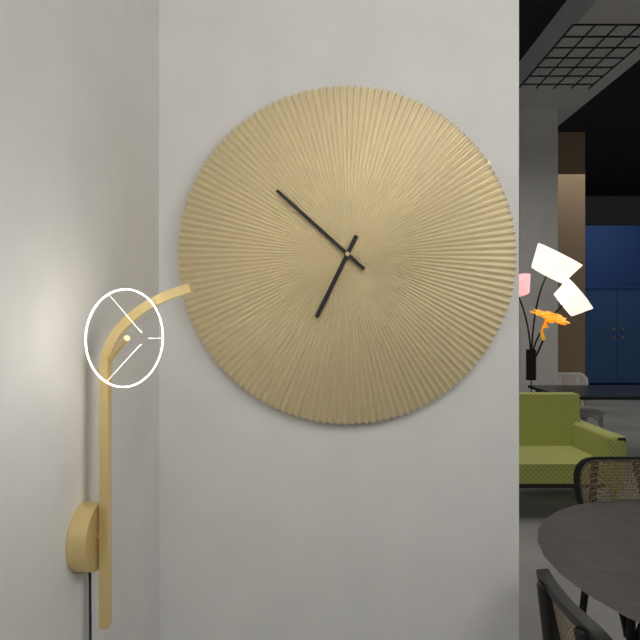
6 h 52 min
